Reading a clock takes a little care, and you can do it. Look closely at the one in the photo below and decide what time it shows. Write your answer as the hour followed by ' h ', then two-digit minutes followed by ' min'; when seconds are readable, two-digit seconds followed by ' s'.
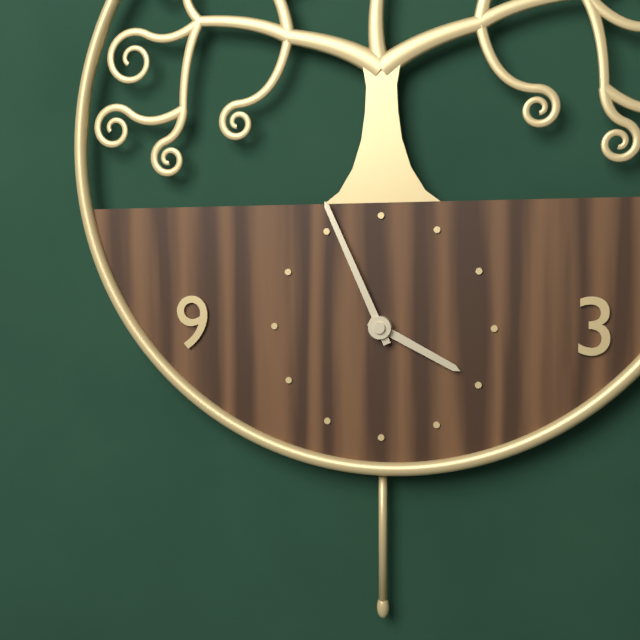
3 h 56 min
